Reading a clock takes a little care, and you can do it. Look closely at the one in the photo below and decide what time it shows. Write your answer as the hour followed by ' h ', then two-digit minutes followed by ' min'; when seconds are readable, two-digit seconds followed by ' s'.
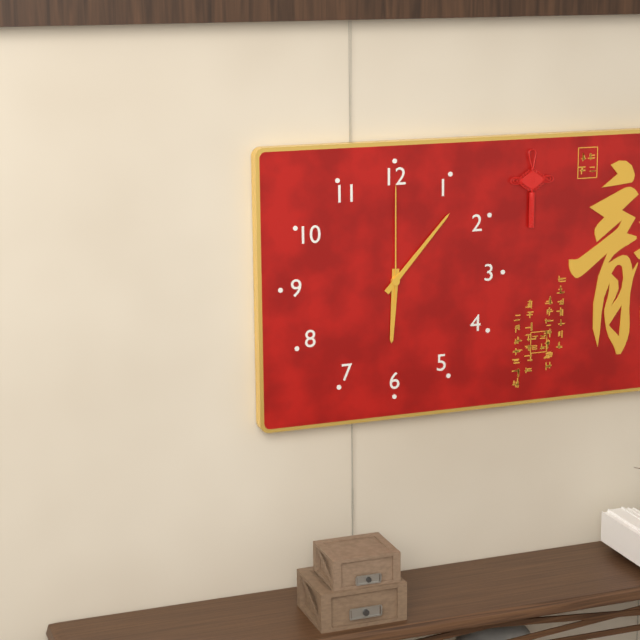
6 h 07 min 00 s
